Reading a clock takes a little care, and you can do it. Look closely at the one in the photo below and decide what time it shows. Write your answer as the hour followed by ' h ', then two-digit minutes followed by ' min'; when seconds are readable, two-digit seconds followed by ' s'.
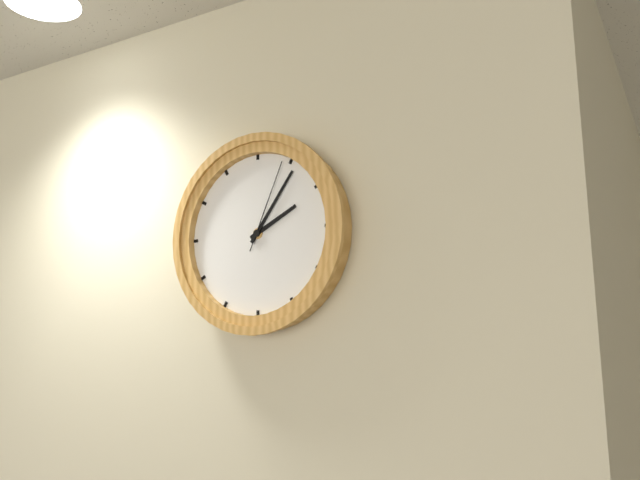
2 h 06 min 04 s
